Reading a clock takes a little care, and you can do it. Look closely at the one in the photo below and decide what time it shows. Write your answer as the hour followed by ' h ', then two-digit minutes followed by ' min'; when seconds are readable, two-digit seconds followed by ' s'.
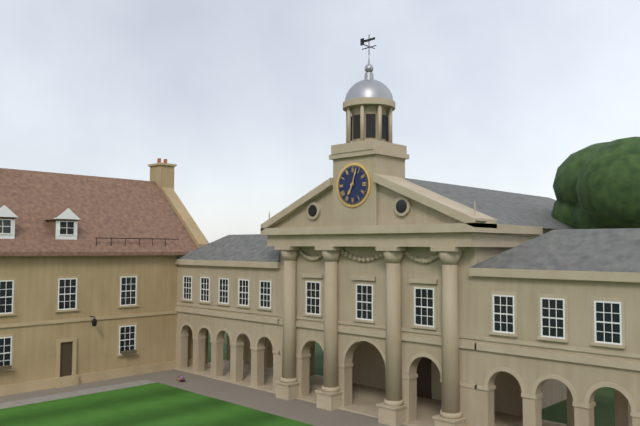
7 h 03 min
